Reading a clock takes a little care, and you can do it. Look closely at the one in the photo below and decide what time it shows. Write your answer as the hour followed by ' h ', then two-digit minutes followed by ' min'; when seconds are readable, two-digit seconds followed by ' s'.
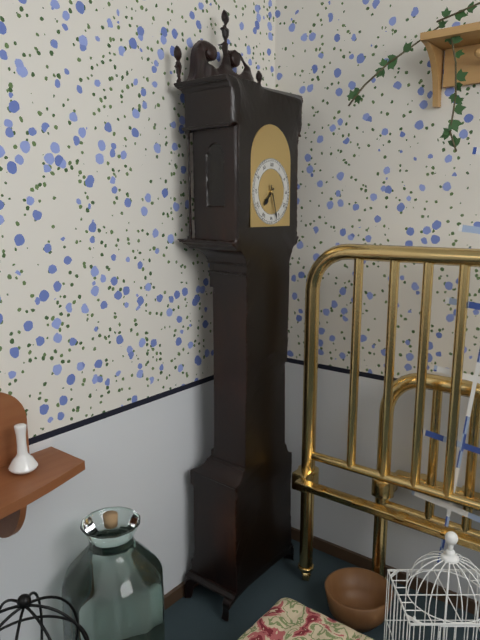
7 h 27 min
